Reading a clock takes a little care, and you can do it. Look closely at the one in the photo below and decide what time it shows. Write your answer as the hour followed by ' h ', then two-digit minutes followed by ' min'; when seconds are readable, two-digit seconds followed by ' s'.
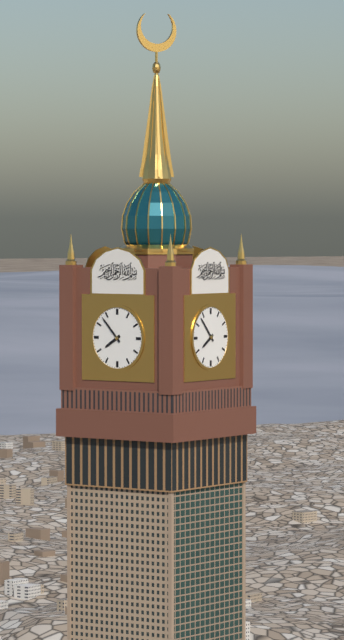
7 h 53 min
